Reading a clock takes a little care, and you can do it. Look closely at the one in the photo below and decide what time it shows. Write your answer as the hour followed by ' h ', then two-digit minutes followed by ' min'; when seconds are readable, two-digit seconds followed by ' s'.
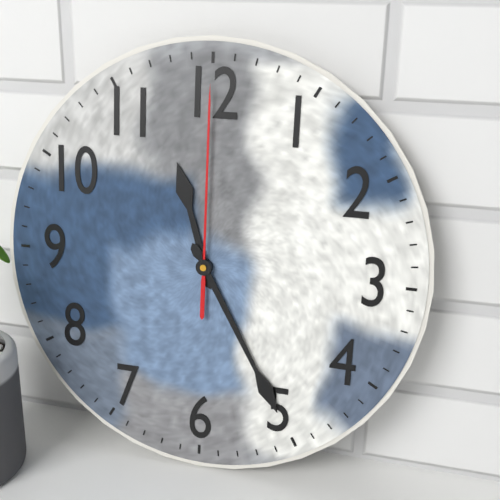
11 h 25 min 00 s
